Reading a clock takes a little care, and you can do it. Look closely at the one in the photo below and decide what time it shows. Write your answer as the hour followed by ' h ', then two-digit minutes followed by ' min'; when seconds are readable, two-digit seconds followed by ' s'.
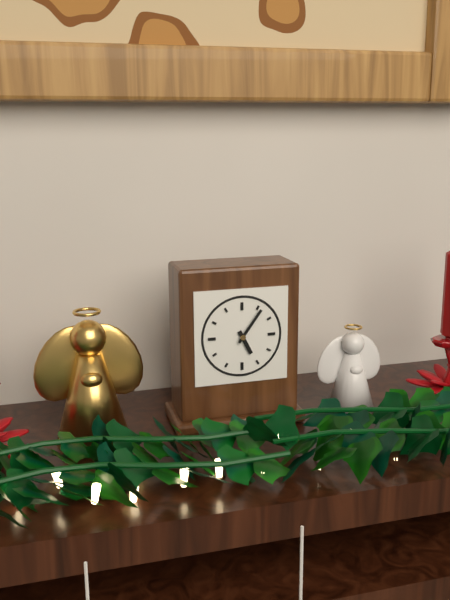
5 h 06 min
